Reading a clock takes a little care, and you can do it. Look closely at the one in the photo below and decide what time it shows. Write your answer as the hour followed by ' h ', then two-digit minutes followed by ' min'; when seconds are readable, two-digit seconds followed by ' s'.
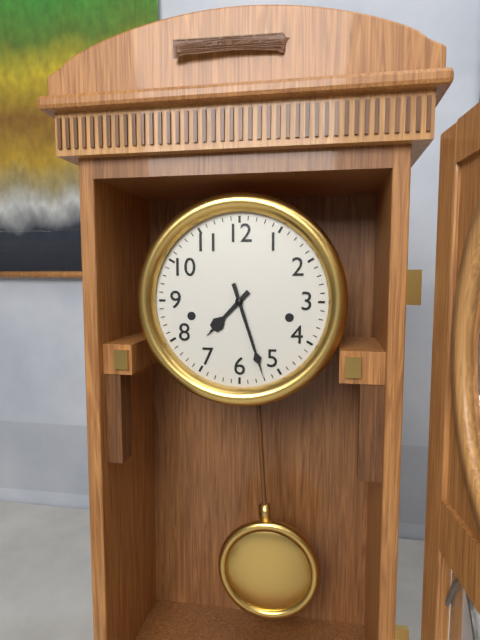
7 h 27 min
